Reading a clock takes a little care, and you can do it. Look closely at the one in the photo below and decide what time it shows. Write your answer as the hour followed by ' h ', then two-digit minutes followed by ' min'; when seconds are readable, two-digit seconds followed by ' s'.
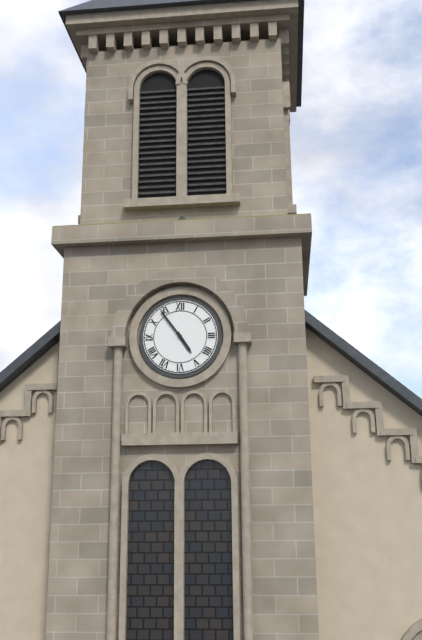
4 h 54 min
